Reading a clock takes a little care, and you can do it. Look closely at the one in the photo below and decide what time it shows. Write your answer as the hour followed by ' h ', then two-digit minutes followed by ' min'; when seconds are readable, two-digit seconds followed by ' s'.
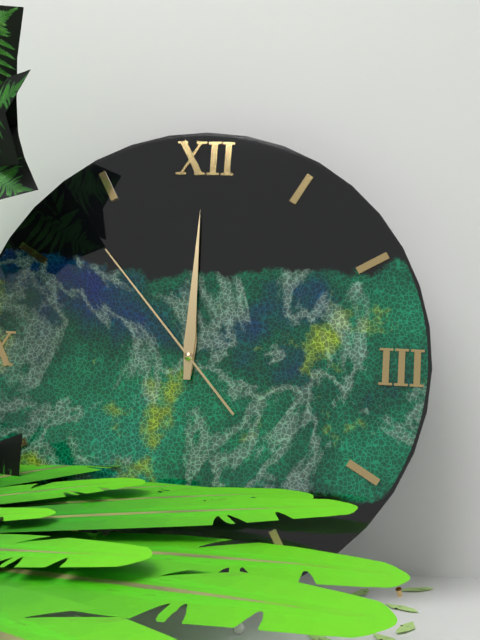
12 h 00 min 53 s
